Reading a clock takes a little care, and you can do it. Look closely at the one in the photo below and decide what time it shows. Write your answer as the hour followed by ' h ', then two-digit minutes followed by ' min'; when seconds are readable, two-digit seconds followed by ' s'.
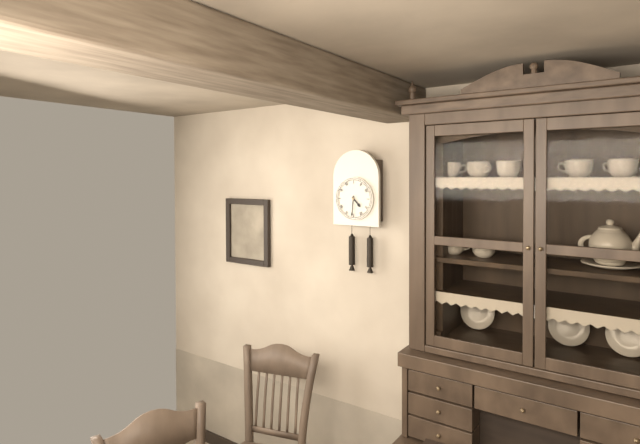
4 h 31 min
